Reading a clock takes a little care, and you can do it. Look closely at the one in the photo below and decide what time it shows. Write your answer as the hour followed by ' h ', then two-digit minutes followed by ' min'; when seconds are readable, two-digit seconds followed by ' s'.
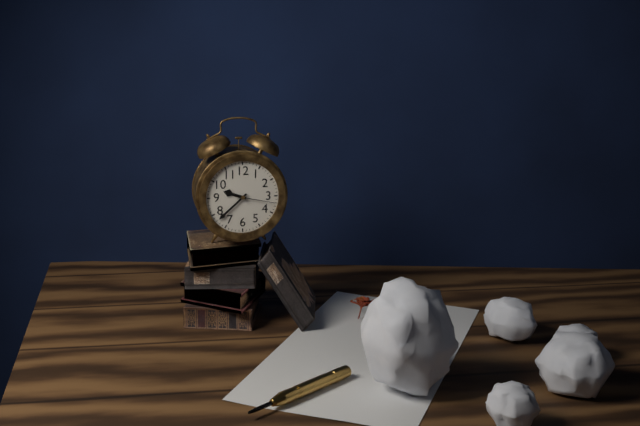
9 h 38 min
